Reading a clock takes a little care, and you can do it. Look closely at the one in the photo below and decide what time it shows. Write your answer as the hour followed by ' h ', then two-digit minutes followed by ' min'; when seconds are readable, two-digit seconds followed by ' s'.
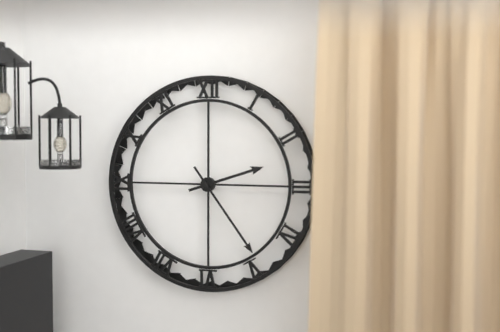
2 h 24 min
